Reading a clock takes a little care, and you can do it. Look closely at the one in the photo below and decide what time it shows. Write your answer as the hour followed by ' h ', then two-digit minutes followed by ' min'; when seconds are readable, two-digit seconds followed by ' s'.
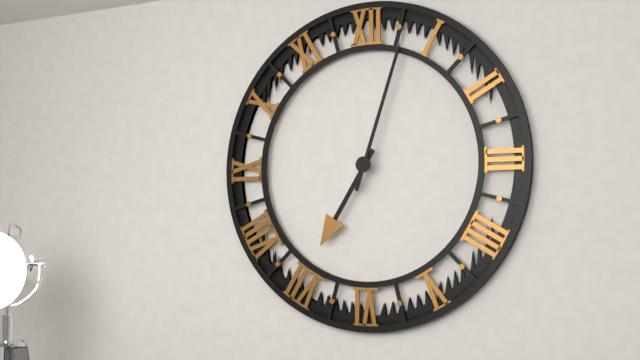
7 h 03 min
